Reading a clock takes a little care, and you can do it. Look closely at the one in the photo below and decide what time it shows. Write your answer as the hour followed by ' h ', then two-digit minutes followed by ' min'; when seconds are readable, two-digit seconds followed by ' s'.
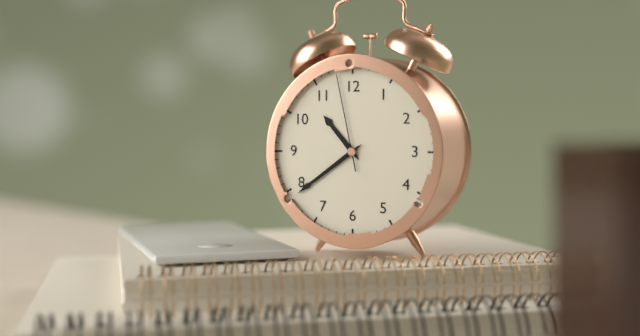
10 h 39 min 58 s
